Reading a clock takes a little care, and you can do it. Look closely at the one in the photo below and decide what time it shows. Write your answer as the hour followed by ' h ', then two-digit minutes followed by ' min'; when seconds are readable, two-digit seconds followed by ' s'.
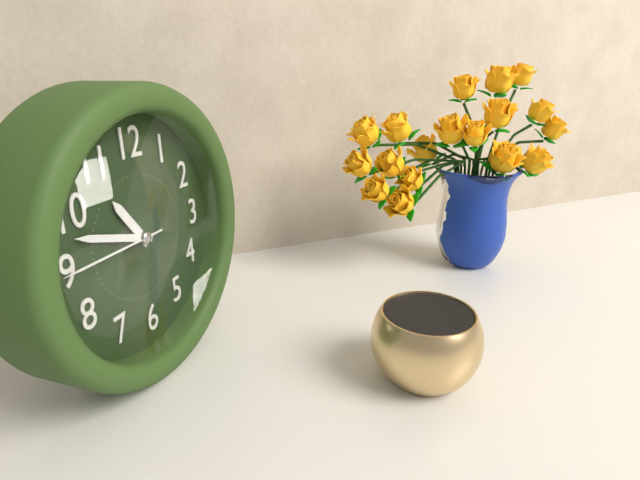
10 h 48 min 45 s
